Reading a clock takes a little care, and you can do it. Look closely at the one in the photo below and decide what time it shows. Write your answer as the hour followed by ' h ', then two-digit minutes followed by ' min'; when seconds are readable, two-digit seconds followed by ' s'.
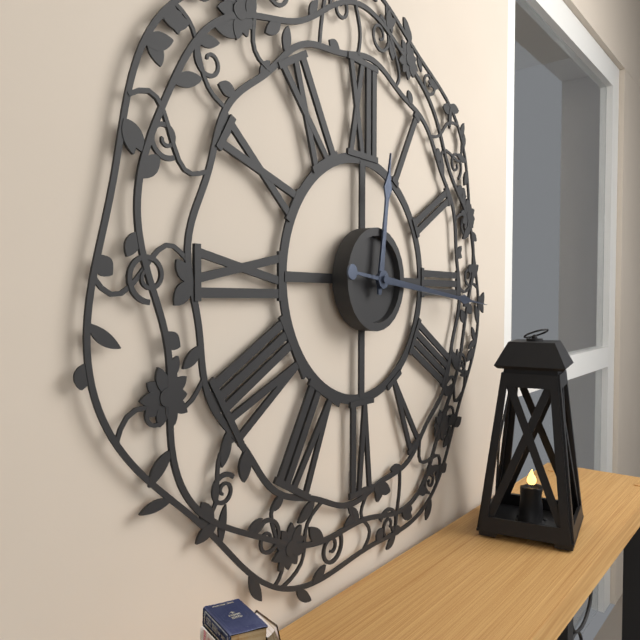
12 h 16 min
